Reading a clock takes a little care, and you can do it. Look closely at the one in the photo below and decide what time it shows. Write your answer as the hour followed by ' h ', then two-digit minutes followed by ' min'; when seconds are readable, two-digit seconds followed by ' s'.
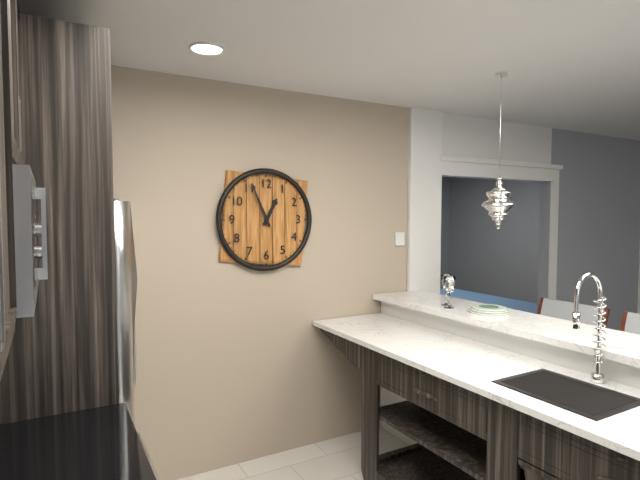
12 h 56 min
